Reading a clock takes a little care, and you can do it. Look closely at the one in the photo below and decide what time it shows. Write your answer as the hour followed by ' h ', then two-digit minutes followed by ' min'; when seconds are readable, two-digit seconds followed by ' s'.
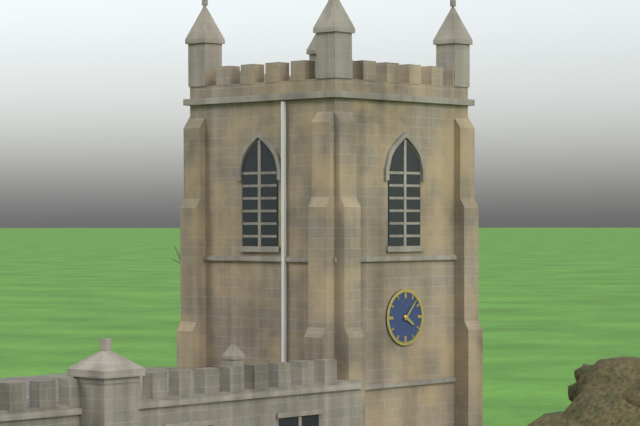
4 h 07 min
